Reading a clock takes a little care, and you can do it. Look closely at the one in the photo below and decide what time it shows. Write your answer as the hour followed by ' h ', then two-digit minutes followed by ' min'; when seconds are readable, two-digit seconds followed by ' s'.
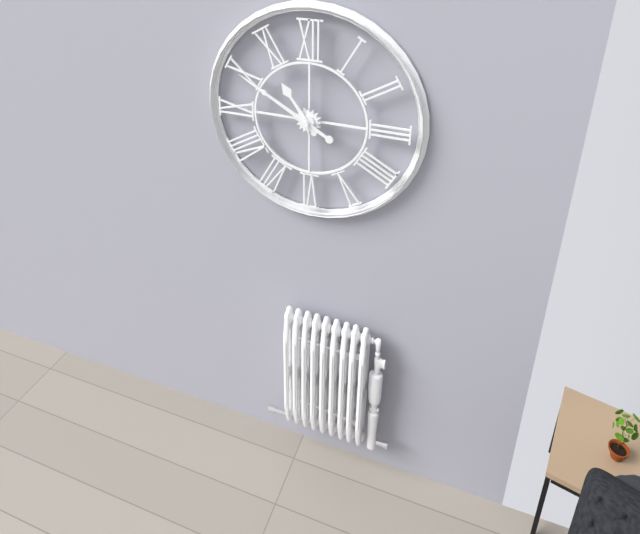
10 h 50 min
